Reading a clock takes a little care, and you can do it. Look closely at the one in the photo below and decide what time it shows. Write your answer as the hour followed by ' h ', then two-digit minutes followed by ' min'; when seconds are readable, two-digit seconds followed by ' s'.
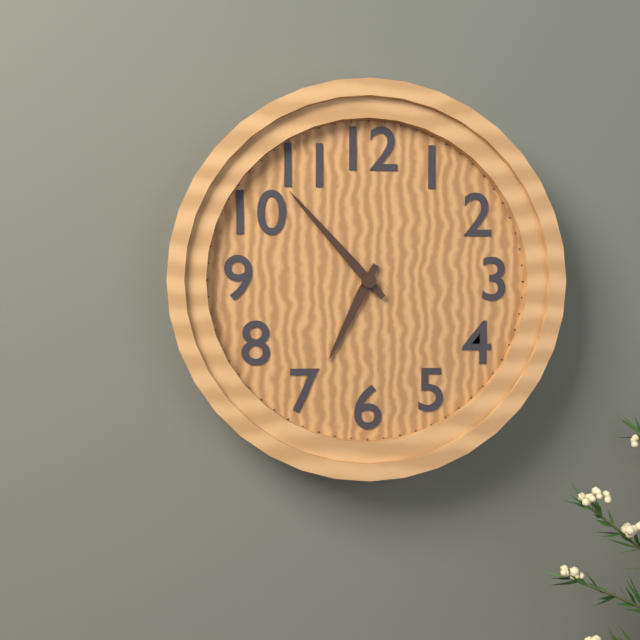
6 h 53 min
